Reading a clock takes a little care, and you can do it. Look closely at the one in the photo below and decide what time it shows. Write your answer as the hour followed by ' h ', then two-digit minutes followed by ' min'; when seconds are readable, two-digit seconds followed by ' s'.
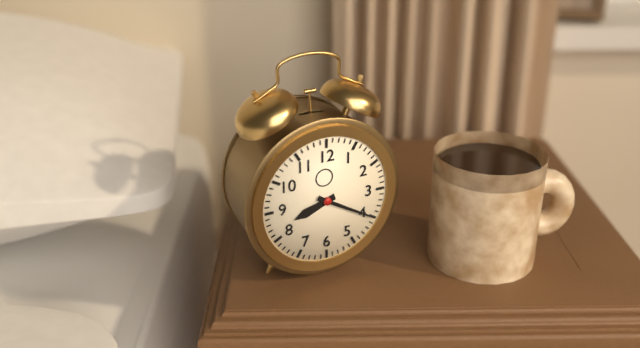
8 h 20 min
